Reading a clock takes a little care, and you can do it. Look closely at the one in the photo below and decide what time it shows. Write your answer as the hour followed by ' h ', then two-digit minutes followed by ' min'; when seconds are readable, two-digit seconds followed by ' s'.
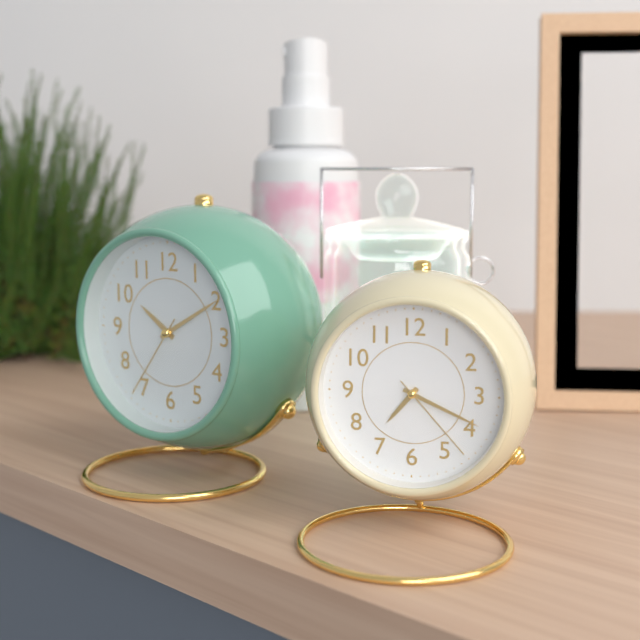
7 h 19 min 23 s
